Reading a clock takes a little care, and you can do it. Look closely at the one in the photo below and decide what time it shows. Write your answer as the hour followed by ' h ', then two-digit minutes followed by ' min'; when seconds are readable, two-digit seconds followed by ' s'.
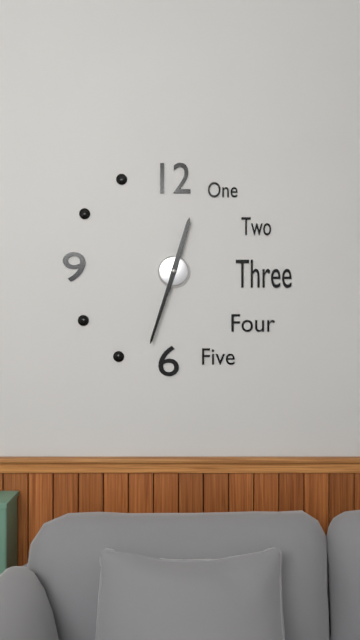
12 h 33 min
